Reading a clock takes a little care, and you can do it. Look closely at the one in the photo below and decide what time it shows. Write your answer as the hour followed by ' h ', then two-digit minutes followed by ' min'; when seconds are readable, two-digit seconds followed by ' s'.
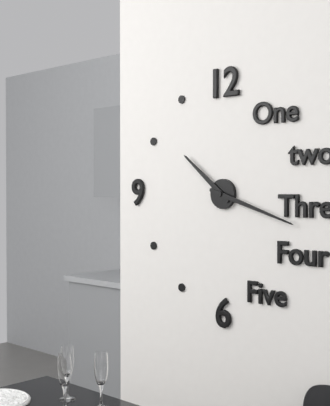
10 h 18 min
